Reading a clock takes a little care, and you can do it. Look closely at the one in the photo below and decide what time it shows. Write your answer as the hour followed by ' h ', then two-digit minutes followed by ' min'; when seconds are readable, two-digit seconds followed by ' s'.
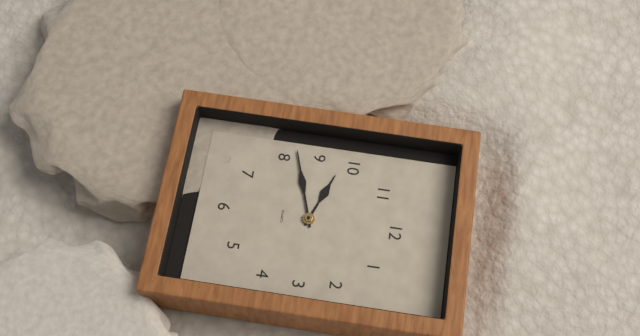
9 h 42 min
